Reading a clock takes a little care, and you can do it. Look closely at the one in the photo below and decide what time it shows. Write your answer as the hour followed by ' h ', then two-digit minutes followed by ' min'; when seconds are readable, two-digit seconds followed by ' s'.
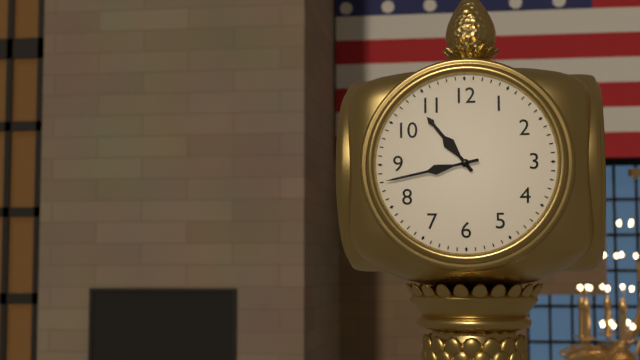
10 h 43 min
